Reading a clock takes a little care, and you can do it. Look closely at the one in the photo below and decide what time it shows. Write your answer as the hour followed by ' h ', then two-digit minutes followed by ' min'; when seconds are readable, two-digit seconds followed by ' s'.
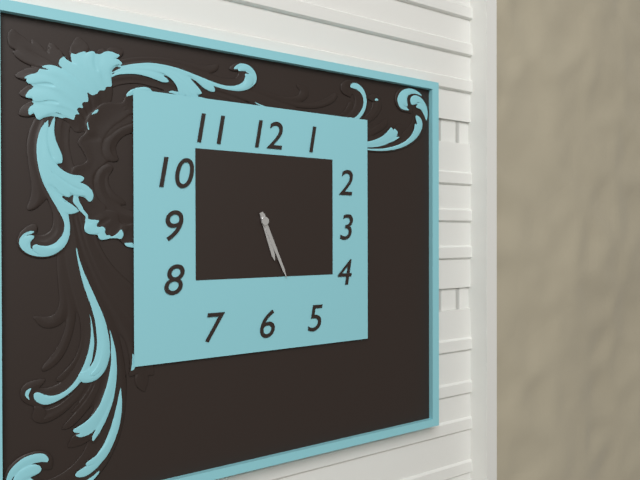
5 h 26 min
